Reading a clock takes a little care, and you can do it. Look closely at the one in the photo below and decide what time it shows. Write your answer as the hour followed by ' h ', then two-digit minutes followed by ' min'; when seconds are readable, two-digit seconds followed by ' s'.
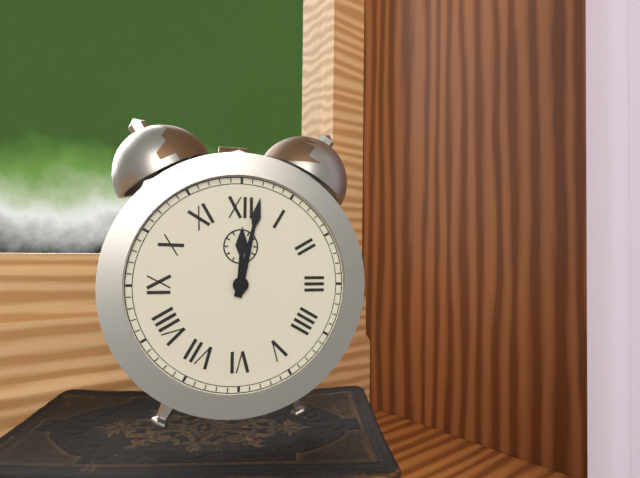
12 h 02 min
